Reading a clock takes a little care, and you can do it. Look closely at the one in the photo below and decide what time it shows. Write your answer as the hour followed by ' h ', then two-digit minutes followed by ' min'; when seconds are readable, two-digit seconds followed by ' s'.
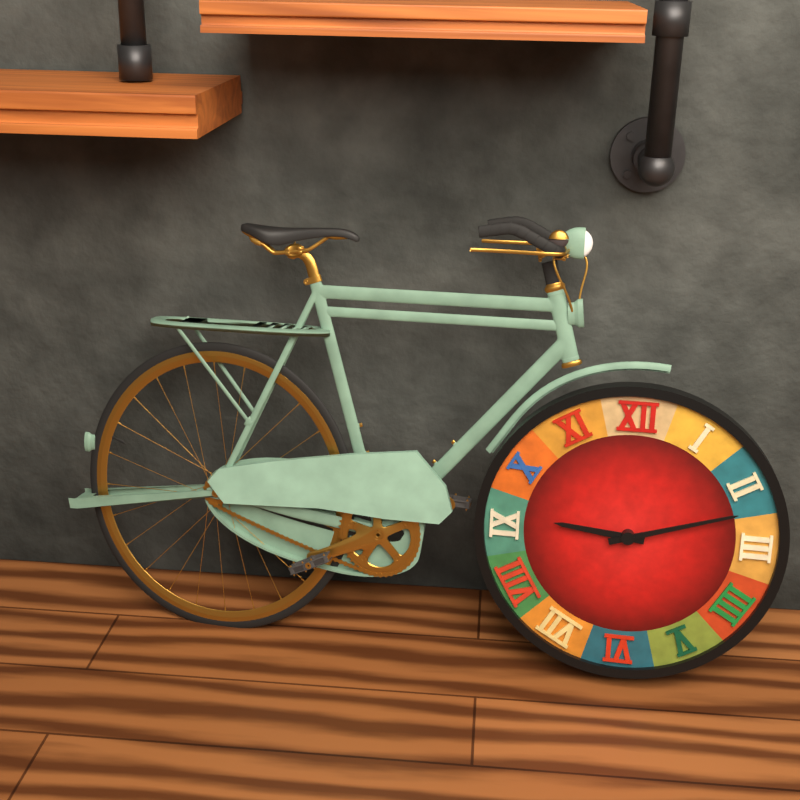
9 h 12 min
